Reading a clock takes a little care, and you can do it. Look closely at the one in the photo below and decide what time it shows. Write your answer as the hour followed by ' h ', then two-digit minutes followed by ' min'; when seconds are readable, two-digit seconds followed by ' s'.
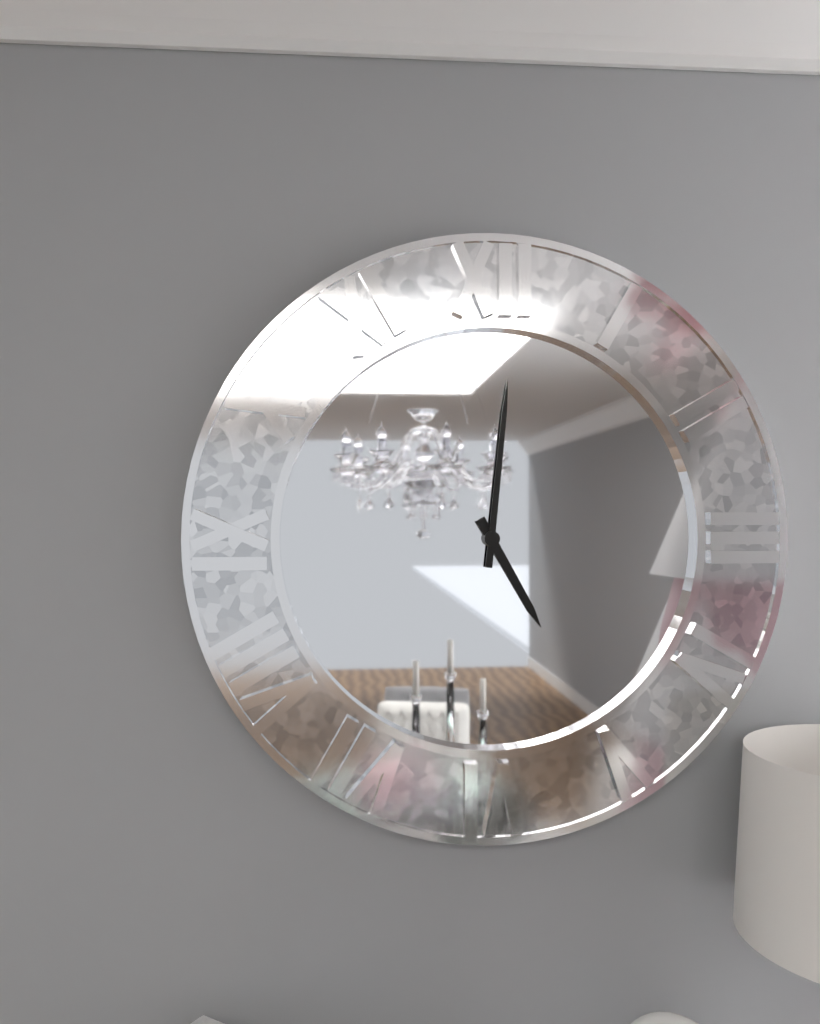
5 h 01 min
